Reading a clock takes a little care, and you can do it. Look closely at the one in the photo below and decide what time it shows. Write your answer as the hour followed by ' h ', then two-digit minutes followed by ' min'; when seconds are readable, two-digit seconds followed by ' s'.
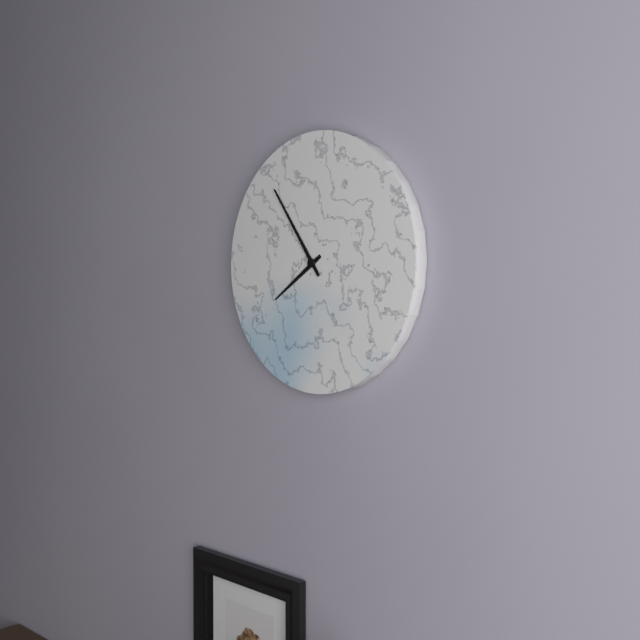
7 h 54 min
